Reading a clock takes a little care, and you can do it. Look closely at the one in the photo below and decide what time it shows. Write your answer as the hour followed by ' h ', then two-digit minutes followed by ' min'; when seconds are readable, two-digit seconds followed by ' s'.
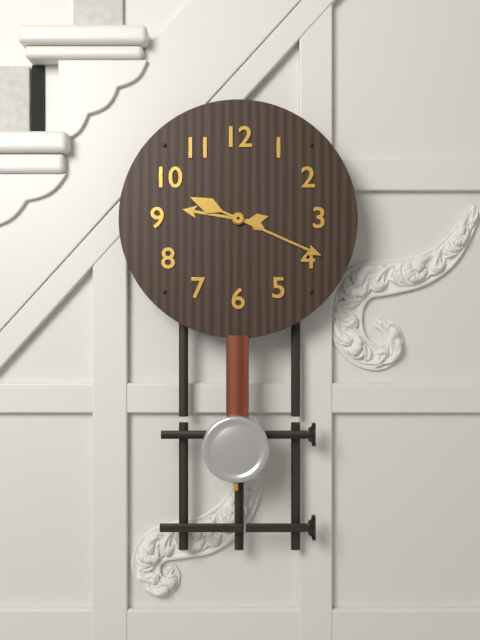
9 h 19 min
